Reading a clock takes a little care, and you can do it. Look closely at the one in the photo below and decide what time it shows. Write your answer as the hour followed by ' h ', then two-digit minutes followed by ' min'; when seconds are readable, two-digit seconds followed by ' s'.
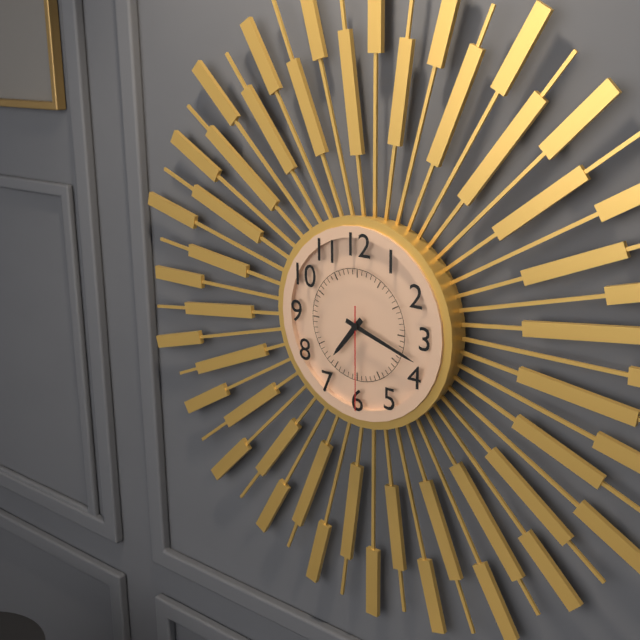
7 h 18 min 30 s
